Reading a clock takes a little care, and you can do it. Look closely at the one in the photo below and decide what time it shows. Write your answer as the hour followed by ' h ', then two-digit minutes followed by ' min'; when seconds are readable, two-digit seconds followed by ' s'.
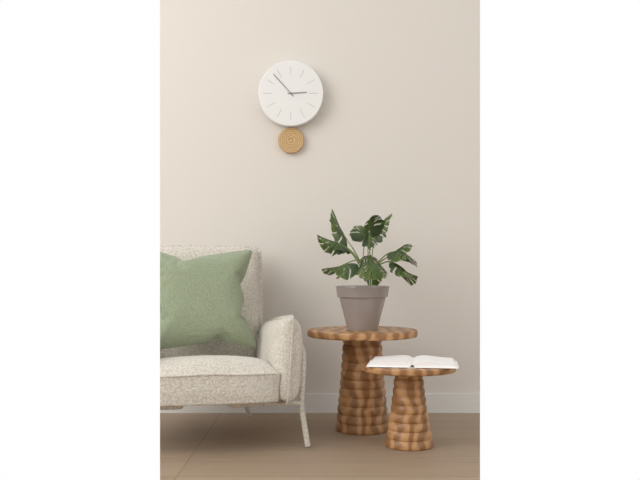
2 h 53 min
